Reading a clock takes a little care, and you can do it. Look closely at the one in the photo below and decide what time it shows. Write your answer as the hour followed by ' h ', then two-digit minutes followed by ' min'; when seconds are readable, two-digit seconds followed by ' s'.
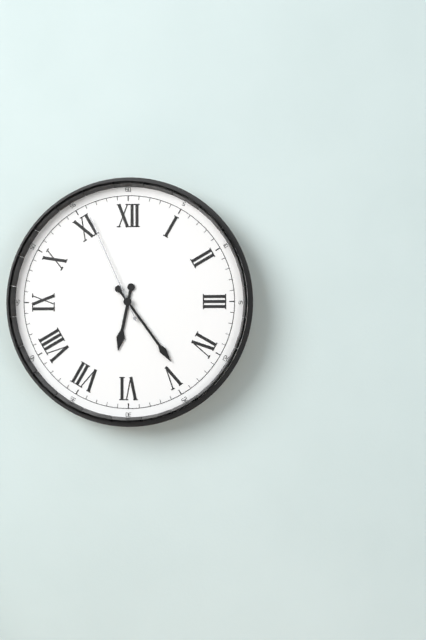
6 h 24 min 56 s
